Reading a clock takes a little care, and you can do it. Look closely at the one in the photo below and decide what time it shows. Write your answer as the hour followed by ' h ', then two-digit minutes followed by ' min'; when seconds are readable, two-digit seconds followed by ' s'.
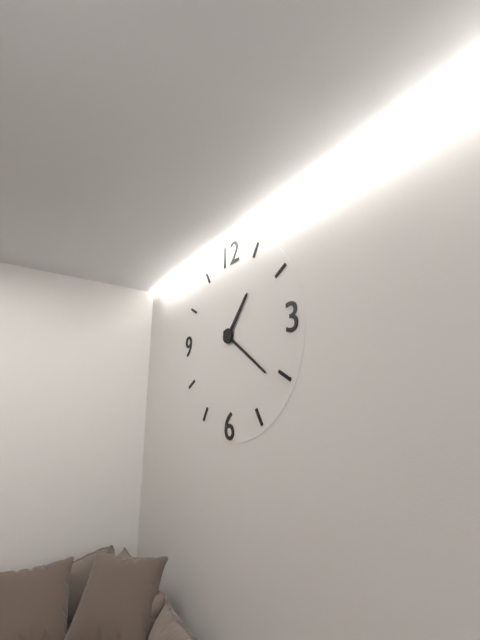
1 h 21 min
